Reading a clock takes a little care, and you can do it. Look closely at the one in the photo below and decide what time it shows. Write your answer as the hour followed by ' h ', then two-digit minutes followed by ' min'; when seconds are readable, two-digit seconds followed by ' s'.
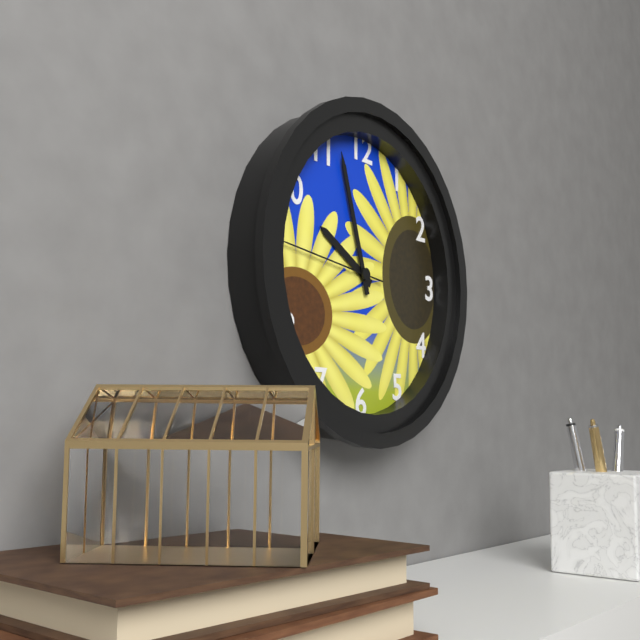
9 h 57 min 46 s
